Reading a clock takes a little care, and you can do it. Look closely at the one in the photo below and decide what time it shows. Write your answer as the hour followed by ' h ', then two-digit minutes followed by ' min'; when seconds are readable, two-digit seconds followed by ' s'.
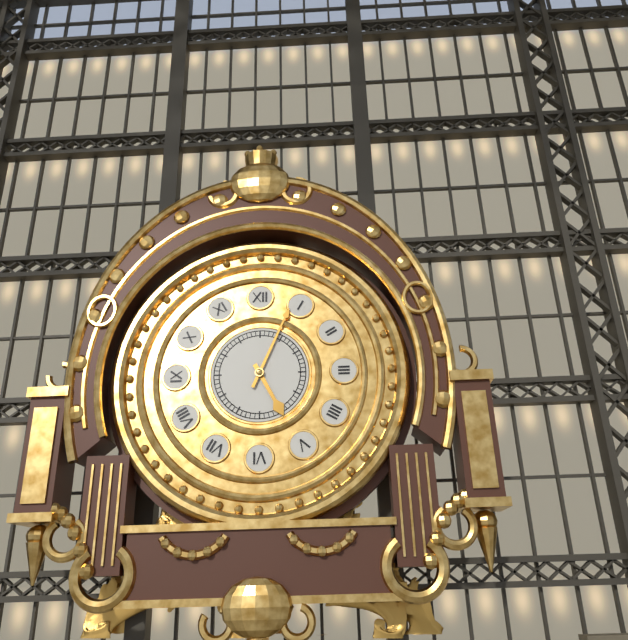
5 h 04 min
